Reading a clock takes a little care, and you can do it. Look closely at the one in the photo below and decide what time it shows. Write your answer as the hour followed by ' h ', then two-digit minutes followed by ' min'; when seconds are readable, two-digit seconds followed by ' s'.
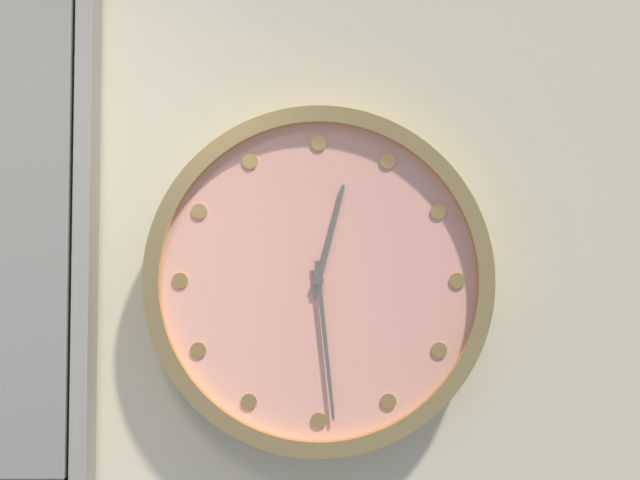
12 h 29 min
